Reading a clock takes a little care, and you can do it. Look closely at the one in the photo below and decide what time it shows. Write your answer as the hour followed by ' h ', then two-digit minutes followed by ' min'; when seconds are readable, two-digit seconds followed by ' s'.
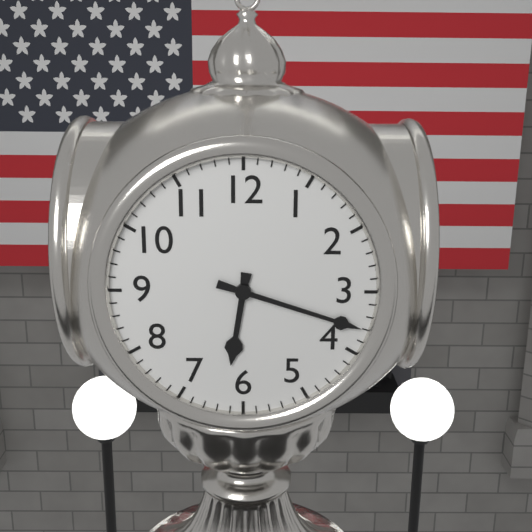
6 h 18 min
